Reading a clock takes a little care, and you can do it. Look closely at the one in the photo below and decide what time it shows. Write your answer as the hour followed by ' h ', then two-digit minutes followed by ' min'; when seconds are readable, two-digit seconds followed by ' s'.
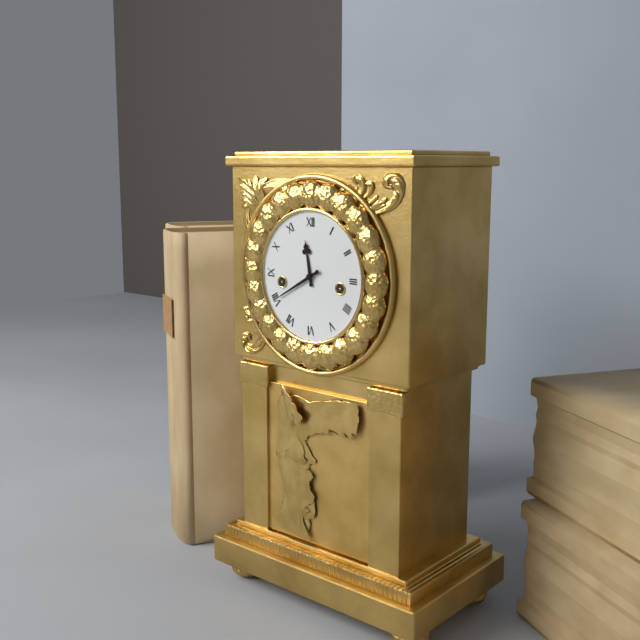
11 h 40 min
